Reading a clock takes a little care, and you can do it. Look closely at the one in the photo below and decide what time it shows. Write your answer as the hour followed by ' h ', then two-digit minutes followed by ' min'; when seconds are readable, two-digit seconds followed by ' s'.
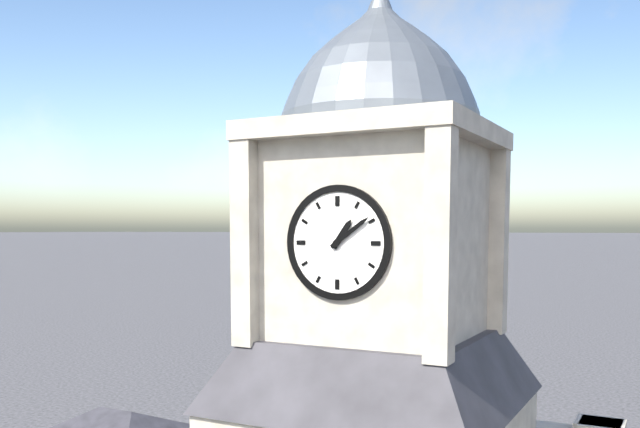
1 h 09 min
